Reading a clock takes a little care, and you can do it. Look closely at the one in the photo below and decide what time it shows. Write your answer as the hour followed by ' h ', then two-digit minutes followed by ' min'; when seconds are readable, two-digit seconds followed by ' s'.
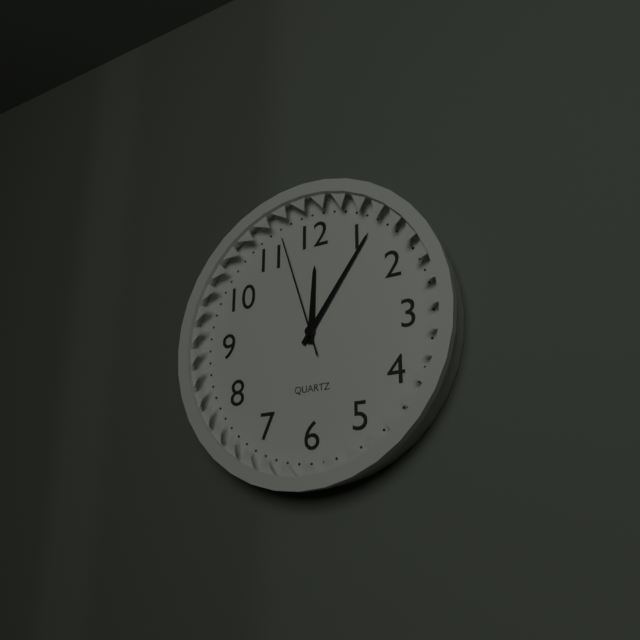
12 h 06 min 57 s
